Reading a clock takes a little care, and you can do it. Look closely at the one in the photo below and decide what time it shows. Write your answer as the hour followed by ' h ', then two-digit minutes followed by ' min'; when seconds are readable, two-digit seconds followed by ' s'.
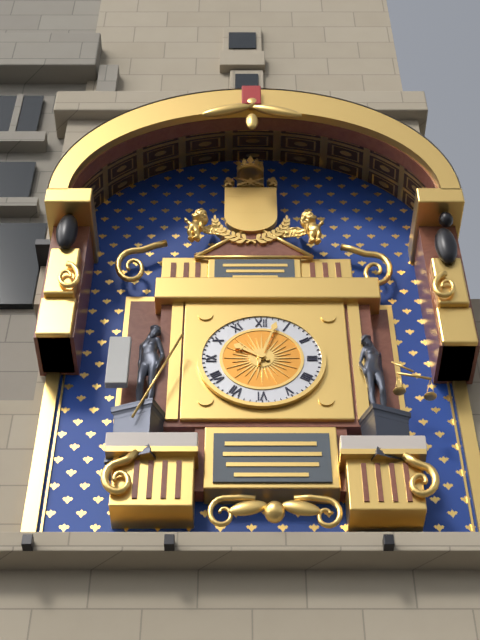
10 h 03 min
